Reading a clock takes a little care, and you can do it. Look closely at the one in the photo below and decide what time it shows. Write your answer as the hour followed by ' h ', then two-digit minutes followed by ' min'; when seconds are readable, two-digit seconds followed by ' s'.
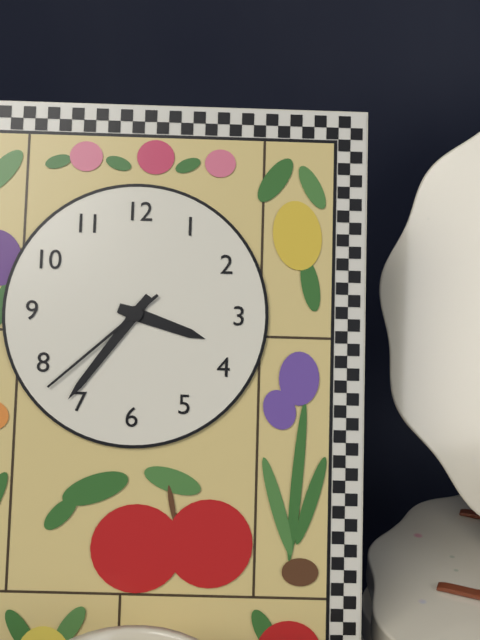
3 h 36 min 38 s
